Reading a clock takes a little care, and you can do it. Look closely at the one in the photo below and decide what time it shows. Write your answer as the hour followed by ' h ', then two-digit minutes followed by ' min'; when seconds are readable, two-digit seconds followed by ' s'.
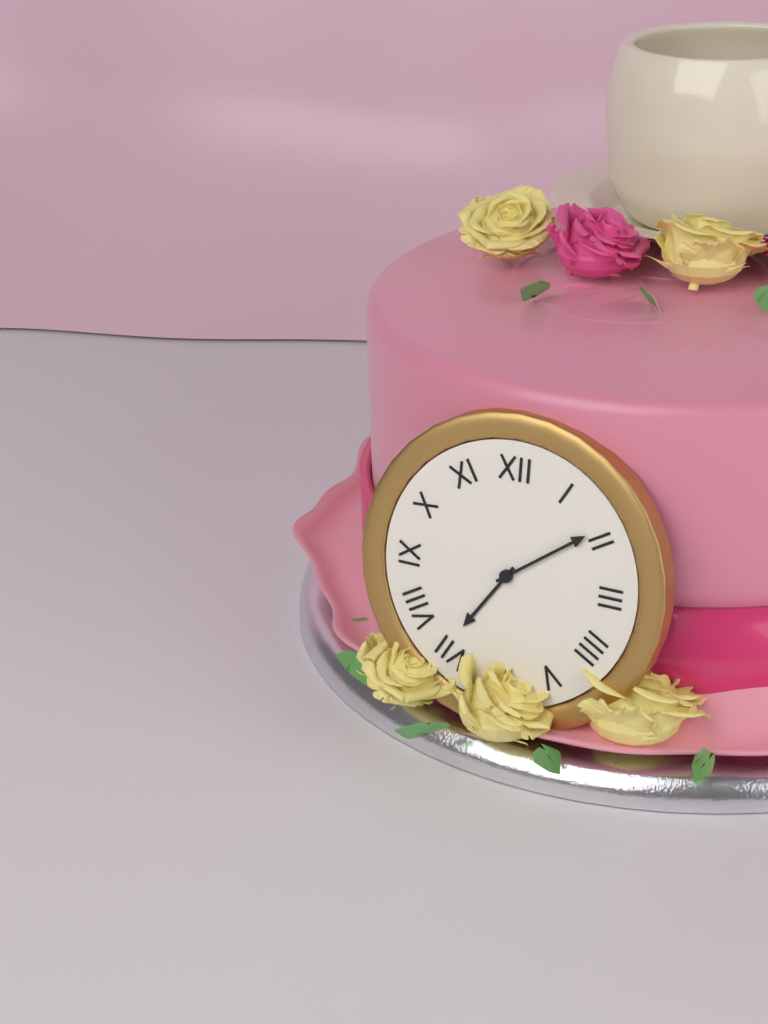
7 h 09 min
